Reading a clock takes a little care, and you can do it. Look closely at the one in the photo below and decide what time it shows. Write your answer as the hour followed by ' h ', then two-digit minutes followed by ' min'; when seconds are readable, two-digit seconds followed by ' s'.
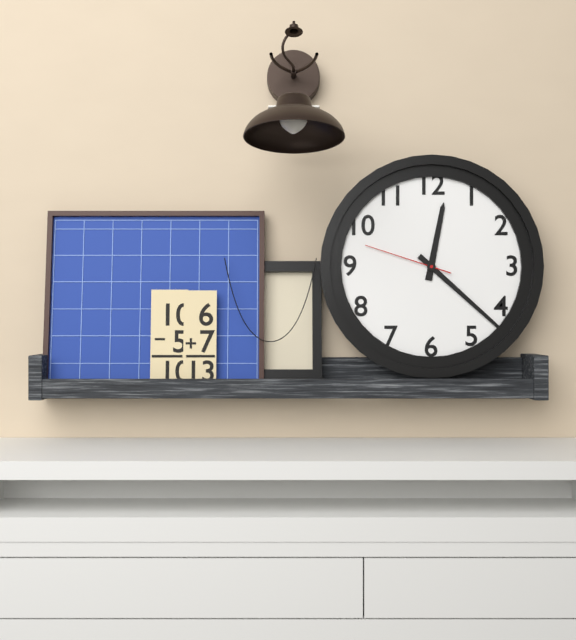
12 h 22 min 48 s
